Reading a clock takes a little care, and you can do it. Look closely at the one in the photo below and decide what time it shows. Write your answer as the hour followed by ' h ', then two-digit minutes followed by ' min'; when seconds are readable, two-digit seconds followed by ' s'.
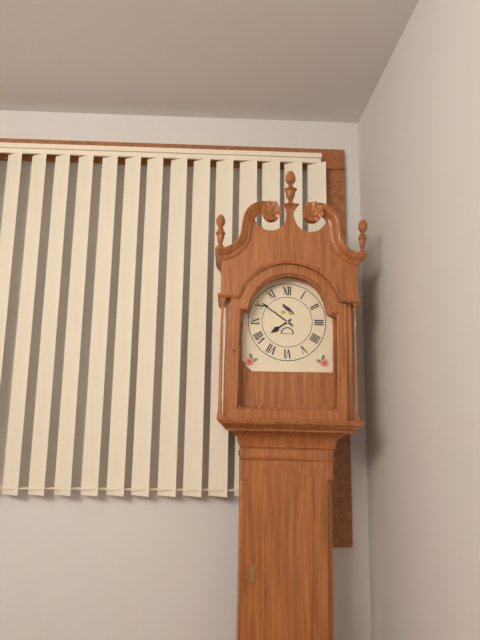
7 h 51 min
